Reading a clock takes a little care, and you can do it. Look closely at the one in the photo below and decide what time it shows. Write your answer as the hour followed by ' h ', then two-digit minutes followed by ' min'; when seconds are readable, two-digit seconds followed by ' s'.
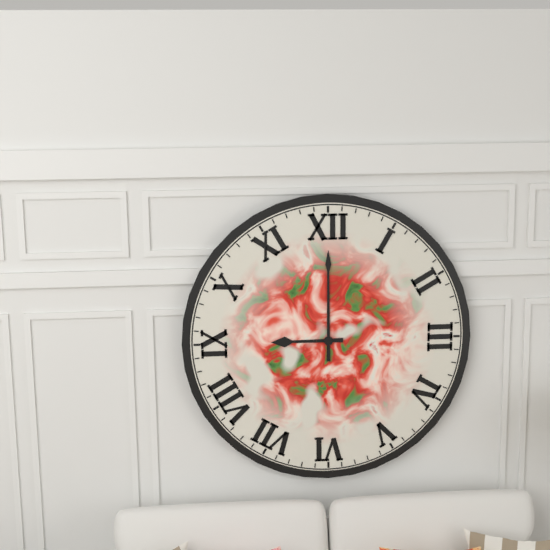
9 h 00 min
